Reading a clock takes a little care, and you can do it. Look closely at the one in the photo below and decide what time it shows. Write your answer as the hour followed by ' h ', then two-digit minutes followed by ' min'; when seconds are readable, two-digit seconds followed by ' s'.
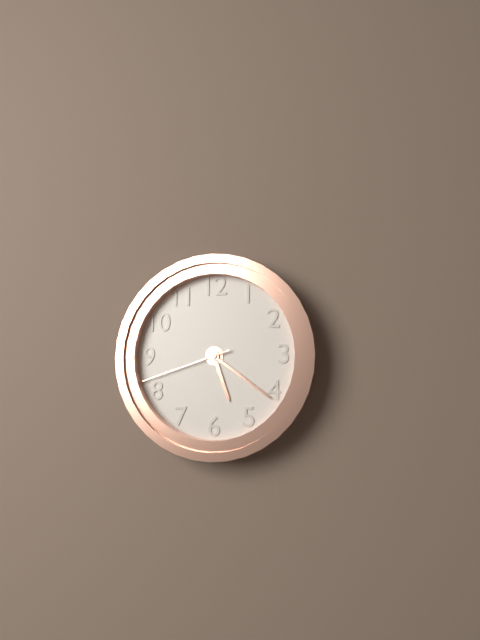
5 h 21 min 42 s
